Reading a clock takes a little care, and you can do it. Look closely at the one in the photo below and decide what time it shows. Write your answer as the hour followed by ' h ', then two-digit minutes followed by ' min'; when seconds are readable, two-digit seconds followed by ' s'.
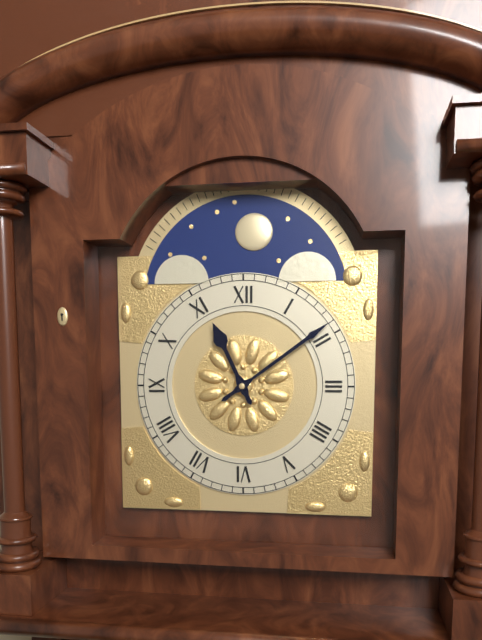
11 h 09 min
